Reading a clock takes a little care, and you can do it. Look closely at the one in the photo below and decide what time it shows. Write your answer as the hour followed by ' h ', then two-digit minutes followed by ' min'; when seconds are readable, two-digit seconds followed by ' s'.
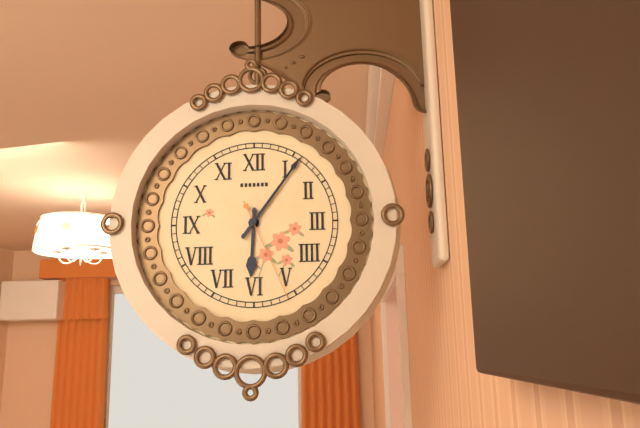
6 h 06 min 26 s
